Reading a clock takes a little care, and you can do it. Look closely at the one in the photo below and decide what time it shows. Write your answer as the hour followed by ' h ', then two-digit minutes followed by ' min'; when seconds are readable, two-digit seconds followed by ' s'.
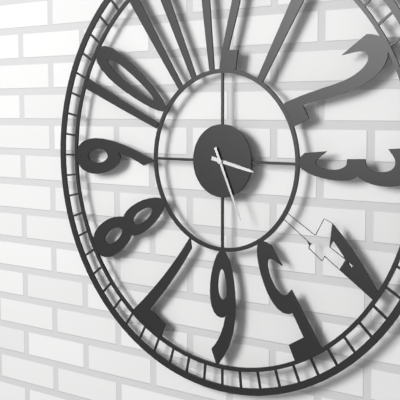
3 h 26 min
